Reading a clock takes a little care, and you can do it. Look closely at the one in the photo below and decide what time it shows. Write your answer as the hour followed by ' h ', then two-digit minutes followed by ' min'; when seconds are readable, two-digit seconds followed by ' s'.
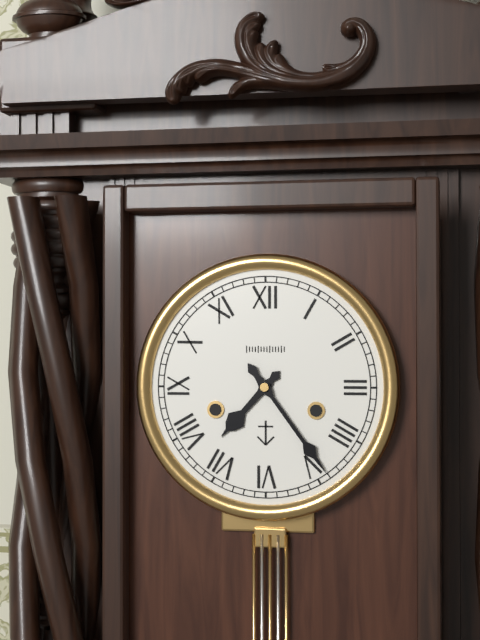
7 h 24 min
